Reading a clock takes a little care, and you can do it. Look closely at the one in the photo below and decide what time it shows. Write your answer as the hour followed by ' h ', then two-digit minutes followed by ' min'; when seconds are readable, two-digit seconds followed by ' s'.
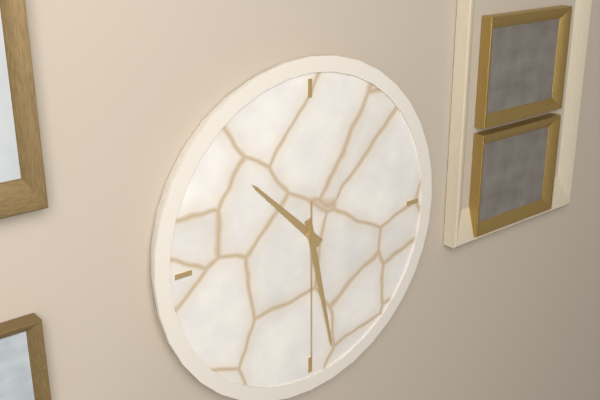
10 h 28 min 30 s
